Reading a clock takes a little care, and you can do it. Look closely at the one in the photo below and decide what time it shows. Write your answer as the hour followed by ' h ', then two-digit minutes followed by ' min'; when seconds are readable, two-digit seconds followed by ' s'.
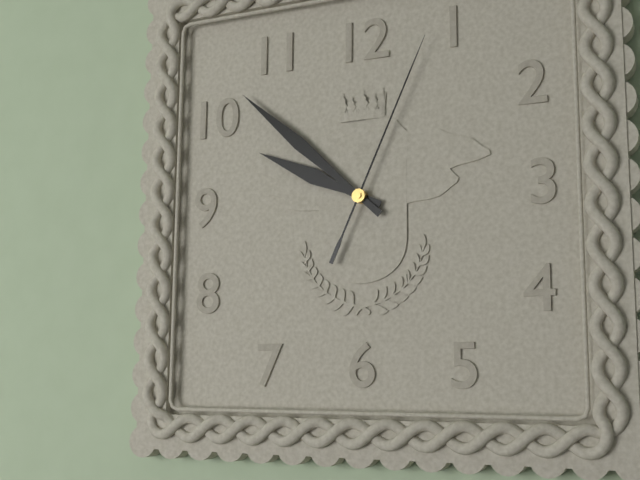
9 h 52 min 04 s
